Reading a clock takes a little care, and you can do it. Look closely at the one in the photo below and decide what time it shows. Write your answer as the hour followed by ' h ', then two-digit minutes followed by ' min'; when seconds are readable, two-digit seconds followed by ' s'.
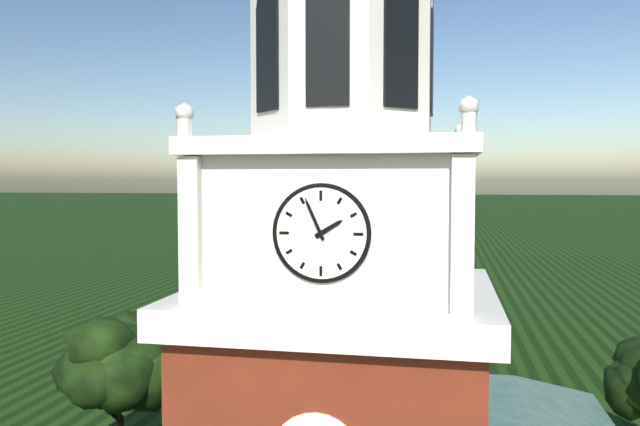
1 h 56 min
